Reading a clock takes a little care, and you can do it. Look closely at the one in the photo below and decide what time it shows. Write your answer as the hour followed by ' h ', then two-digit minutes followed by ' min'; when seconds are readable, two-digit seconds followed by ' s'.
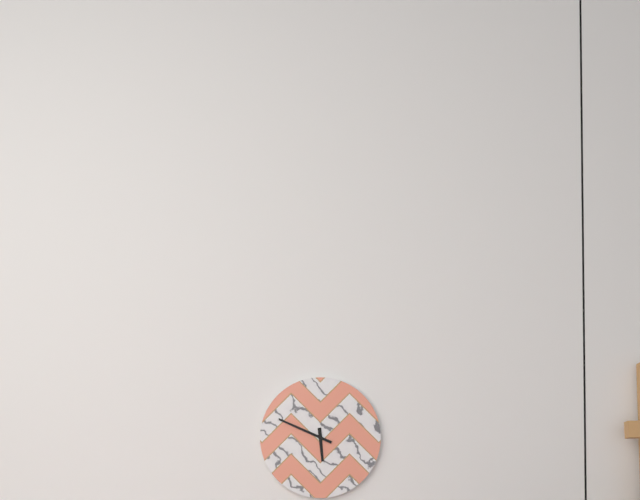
5 h 49 min
